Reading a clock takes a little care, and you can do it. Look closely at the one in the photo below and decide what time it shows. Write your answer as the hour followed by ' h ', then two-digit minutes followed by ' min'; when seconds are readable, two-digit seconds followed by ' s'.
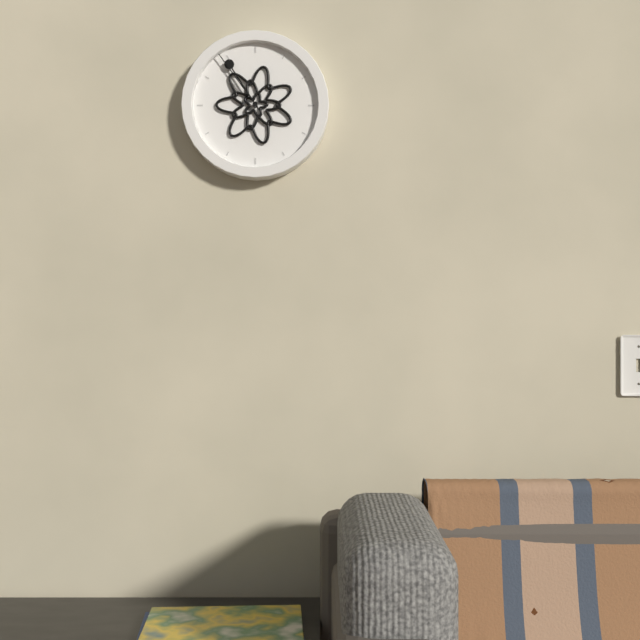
10 h 54 min
